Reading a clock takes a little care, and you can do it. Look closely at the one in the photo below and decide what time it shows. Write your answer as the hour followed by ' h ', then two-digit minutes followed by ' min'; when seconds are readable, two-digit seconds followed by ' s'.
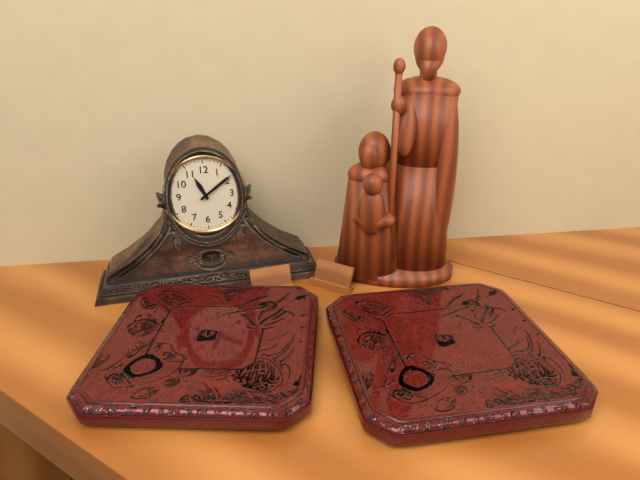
11 h 09 min
